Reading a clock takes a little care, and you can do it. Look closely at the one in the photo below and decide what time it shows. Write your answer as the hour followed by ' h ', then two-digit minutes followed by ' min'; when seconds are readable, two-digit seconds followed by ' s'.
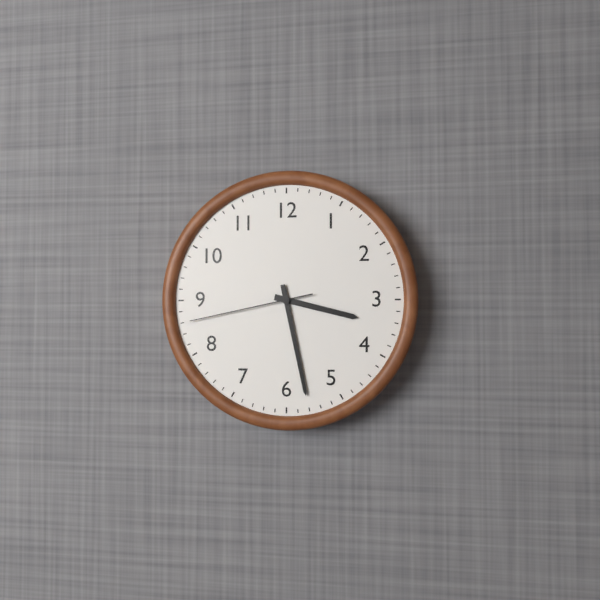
3 h 28 min 43 s
